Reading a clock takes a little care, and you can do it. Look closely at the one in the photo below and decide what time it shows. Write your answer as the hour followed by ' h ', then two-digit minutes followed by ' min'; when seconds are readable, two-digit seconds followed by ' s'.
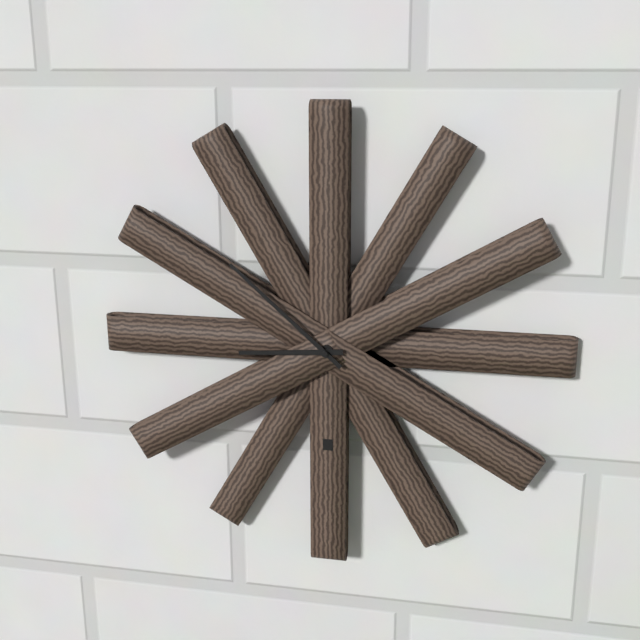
8 h 52 min
